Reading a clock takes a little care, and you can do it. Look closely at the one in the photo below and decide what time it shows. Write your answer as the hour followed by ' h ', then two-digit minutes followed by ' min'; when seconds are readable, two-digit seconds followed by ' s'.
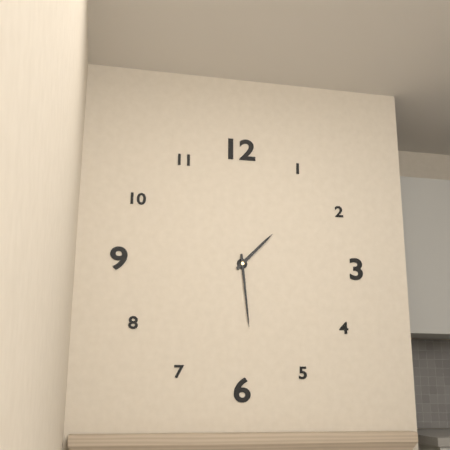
1 h 29 min
